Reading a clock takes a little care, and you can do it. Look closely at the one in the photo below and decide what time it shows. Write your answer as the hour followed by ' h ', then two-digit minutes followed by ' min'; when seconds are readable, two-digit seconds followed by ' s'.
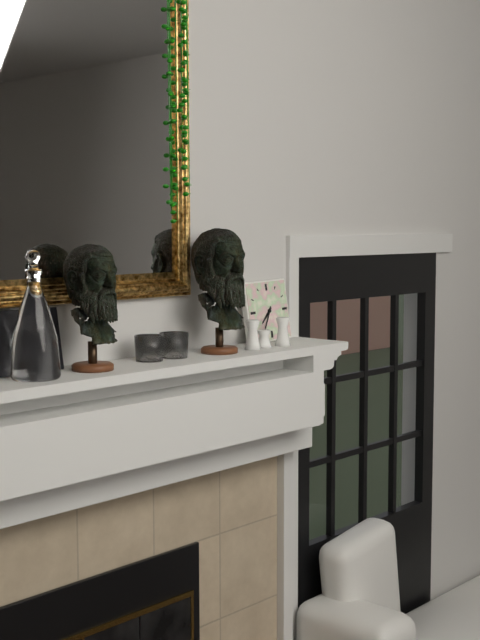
7 h 35 min
